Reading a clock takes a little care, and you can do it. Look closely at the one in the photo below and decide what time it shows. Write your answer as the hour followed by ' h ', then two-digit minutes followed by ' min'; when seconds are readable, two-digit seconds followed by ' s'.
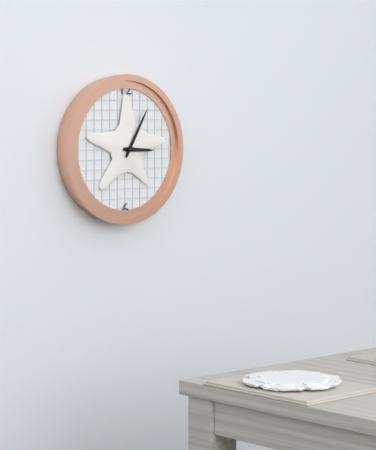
3 h 05 min
